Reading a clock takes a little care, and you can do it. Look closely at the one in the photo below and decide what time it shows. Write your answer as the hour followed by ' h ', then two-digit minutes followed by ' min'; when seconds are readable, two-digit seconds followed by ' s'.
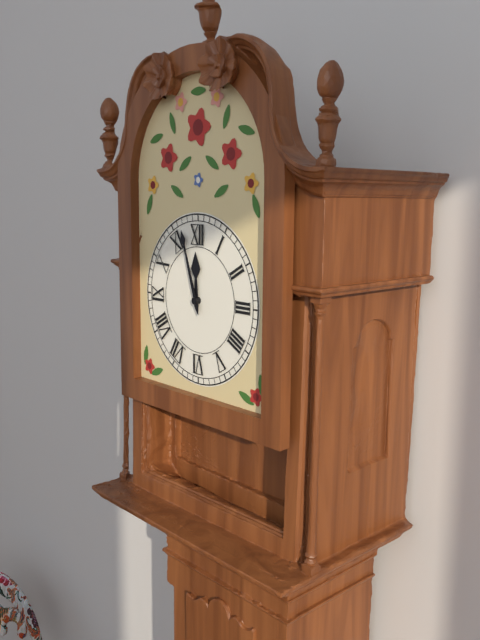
11 h 57 min
